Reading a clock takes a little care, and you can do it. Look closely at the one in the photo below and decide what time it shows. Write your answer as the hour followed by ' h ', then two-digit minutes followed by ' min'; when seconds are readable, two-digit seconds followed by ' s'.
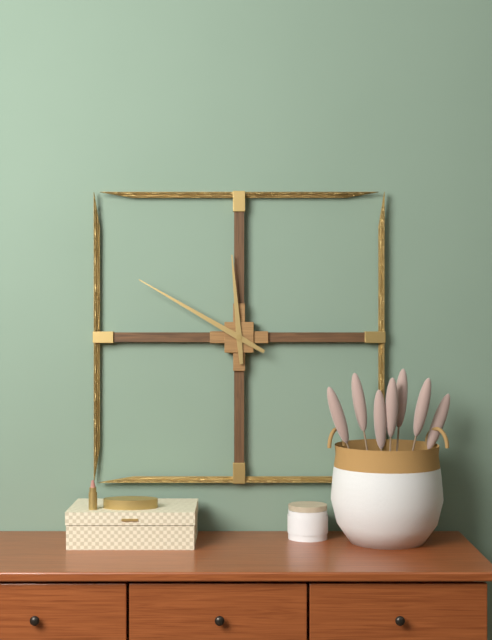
11 h 50 min
